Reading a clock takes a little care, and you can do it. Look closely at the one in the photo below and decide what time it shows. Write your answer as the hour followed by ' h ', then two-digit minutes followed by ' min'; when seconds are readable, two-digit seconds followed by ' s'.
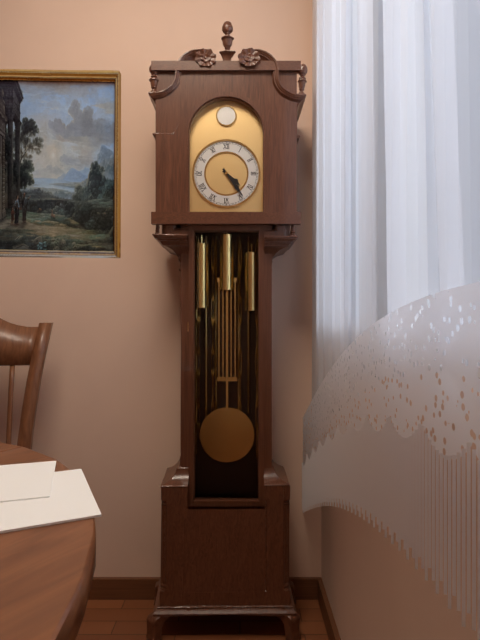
4 h 24 min
